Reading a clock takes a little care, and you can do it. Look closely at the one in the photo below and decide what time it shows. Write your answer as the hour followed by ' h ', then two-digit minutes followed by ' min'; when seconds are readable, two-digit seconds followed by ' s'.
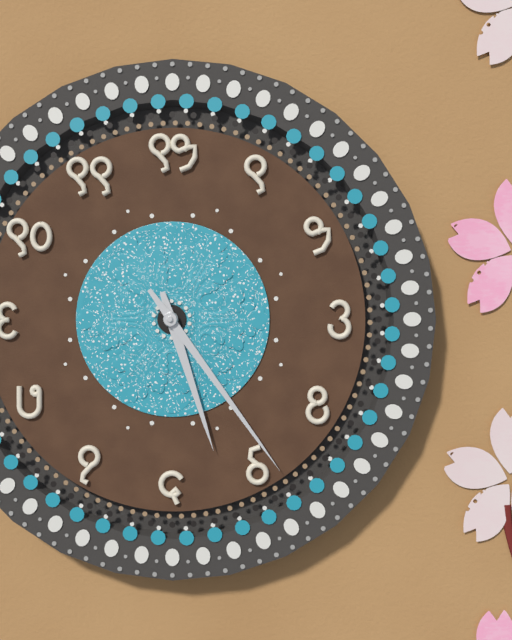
5 h 24 min
